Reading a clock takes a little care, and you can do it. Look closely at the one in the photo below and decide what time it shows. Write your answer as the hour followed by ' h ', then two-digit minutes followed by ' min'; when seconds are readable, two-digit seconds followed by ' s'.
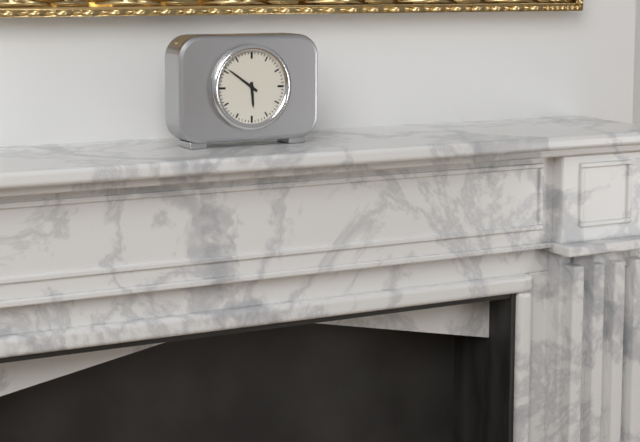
5 h 51 min
